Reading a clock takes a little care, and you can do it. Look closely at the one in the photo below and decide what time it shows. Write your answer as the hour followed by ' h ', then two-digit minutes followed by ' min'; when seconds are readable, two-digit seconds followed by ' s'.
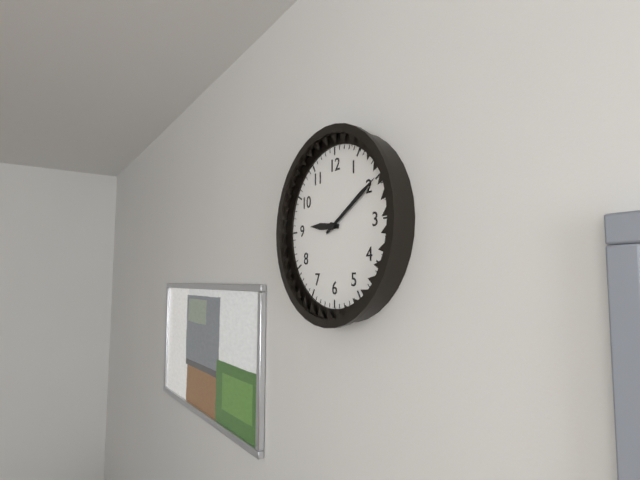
9 h 10 min
